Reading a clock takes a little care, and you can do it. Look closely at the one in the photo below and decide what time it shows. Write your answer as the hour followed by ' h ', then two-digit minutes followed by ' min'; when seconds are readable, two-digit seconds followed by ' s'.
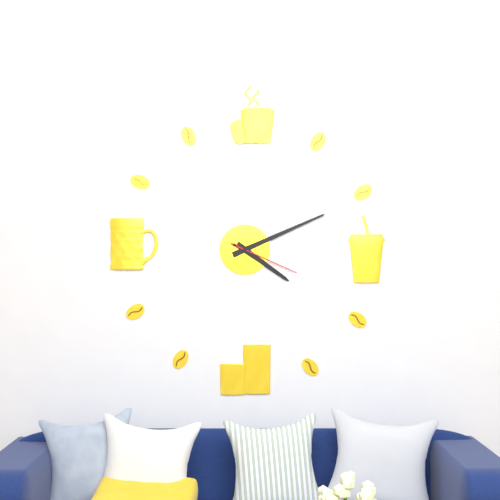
4 h 11 min 19 s
